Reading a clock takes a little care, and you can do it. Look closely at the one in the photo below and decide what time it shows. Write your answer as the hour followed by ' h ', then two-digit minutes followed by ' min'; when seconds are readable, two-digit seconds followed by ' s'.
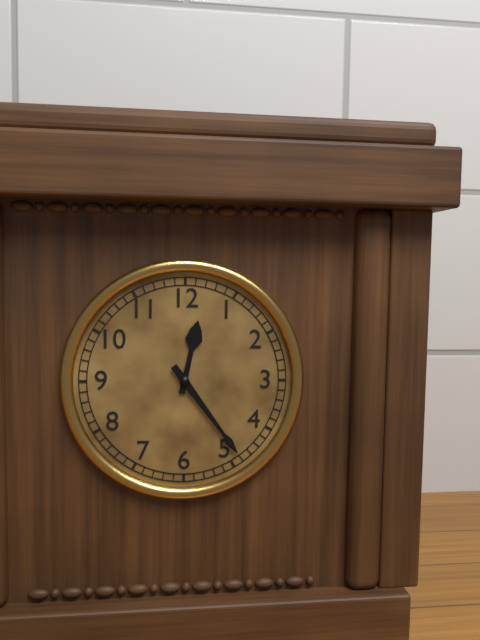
12 h 24 min
